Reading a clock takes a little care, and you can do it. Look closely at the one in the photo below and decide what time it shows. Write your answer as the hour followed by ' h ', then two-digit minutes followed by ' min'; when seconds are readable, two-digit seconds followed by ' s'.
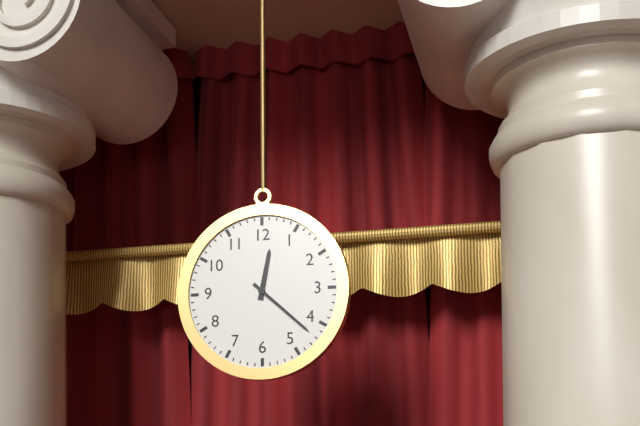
12 h 22 min
